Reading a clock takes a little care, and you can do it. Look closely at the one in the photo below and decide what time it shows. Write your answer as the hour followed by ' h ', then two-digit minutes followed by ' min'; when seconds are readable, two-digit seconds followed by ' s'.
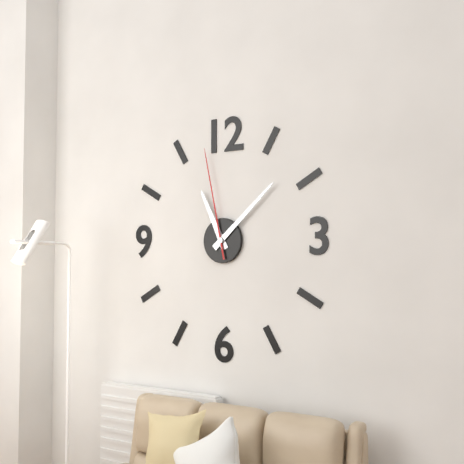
11 h 08 min 58 s
